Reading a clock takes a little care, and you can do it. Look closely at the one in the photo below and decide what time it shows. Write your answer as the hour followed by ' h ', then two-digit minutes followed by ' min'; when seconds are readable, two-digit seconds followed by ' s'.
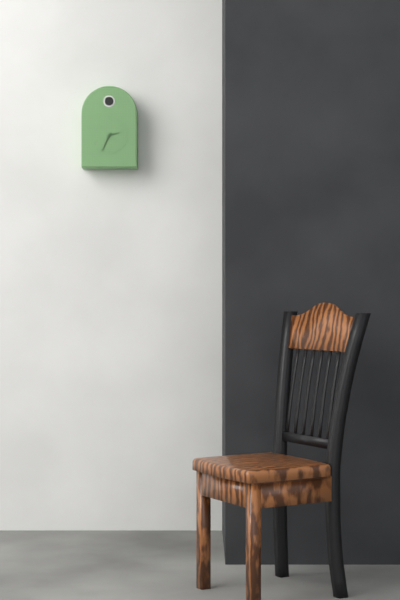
2 h 34 min
